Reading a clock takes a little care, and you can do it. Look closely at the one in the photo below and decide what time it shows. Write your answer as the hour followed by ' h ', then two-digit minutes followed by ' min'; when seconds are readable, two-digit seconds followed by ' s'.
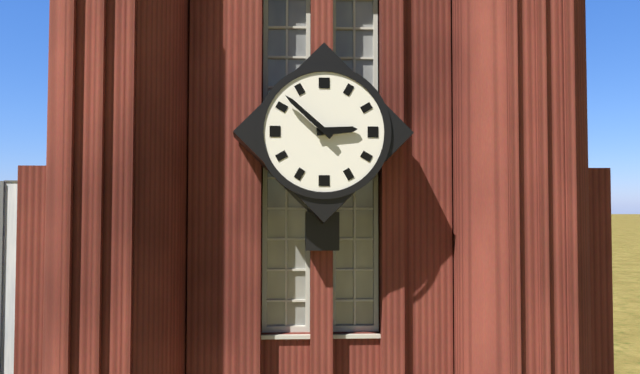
2 h 52 min
